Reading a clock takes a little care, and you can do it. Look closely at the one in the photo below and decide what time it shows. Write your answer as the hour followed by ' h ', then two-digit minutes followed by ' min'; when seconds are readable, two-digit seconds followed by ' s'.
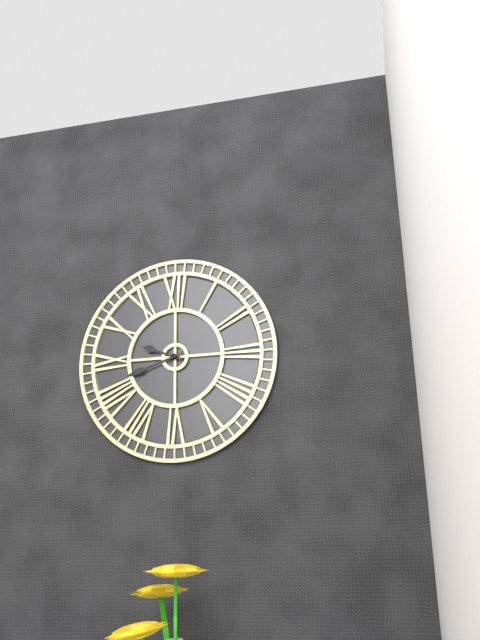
9 h 42 min
